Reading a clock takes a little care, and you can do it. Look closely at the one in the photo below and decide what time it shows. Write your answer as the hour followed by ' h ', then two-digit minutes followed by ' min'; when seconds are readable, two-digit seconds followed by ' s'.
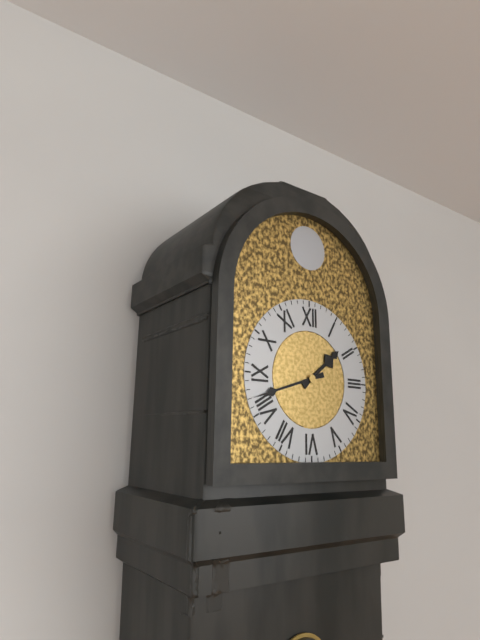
1 h 42 min
